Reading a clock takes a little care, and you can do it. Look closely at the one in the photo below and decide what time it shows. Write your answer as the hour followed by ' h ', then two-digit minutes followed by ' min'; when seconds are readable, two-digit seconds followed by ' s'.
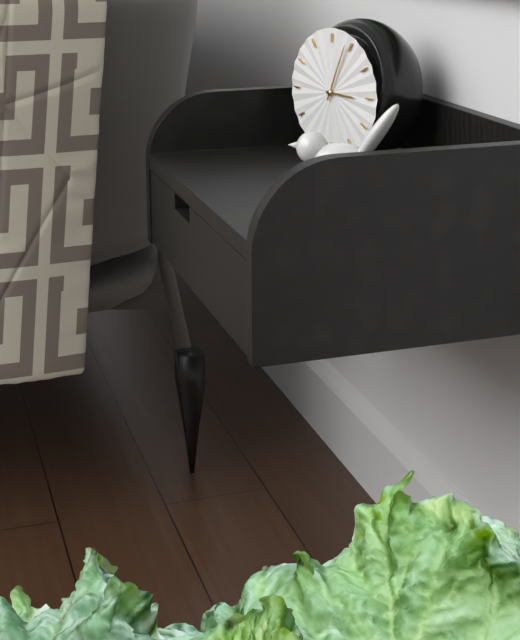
3 h 04 min
